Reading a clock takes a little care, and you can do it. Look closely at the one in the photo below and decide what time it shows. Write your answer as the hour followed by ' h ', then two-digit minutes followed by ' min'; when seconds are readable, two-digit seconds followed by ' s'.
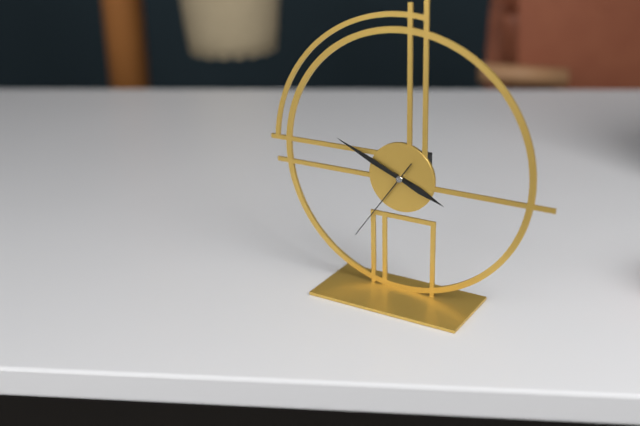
3 h 49 min 36 s
